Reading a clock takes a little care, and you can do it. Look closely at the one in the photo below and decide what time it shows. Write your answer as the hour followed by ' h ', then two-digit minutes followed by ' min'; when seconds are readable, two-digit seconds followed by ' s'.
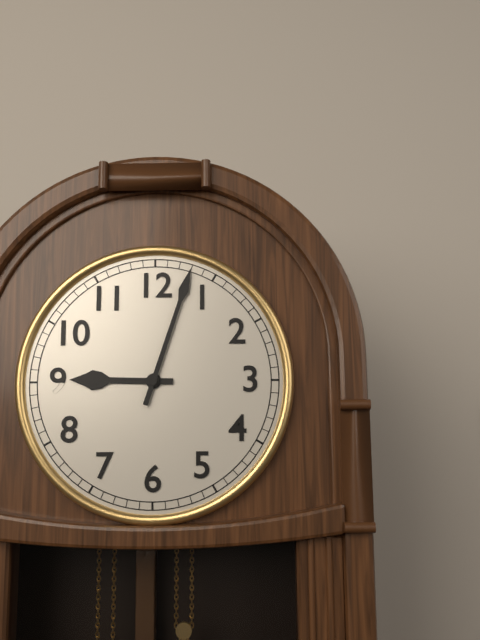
9 h 03 min
